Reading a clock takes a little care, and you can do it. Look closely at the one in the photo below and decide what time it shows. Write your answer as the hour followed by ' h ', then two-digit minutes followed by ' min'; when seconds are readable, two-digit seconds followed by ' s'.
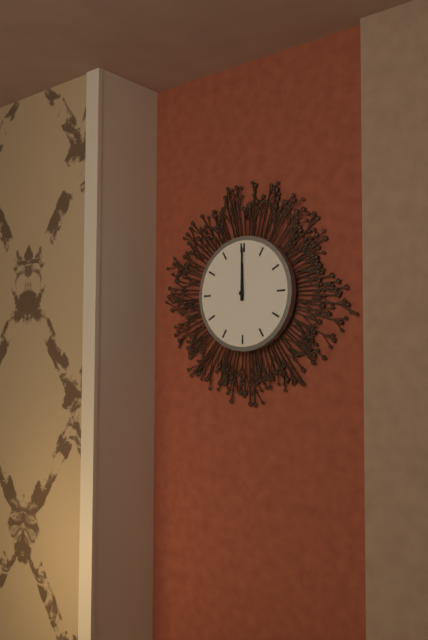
12 h 00 min
